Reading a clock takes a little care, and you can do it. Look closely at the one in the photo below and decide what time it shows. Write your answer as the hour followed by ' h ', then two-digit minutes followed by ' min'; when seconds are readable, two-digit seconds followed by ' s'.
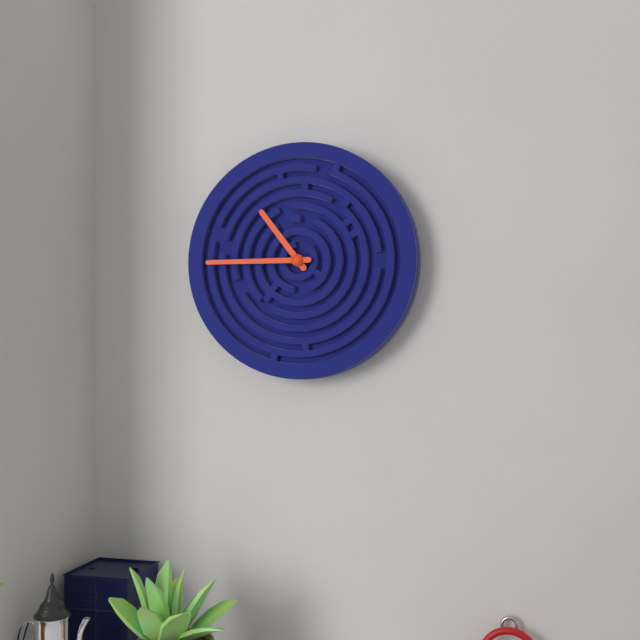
10 h 45 min
